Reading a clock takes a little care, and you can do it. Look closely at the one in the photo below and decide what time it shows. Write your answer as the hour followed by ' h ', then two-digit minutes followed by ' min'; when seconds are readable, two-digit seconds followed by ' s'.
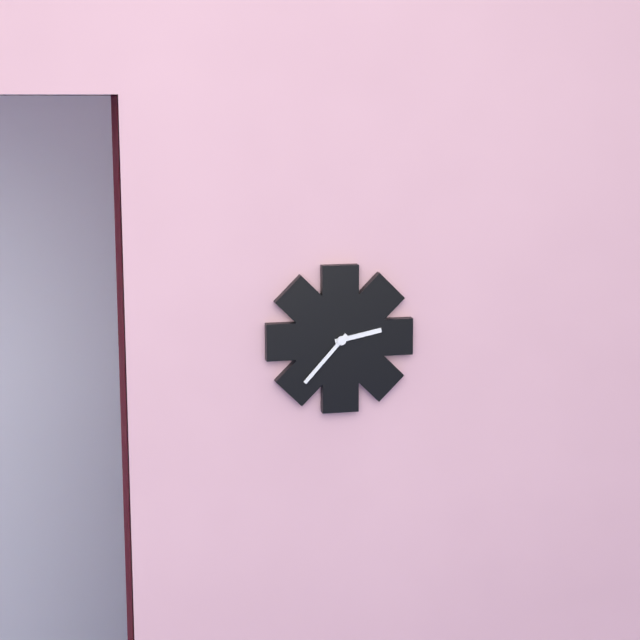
2 h 37 min
